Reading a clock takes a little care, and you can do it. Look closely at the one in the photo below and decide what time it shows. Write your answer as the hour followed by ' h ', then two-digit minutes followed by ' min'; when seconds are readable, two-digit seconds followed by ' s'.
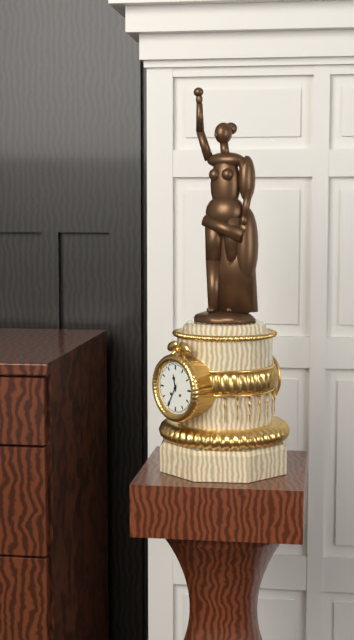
11 h 35 min
